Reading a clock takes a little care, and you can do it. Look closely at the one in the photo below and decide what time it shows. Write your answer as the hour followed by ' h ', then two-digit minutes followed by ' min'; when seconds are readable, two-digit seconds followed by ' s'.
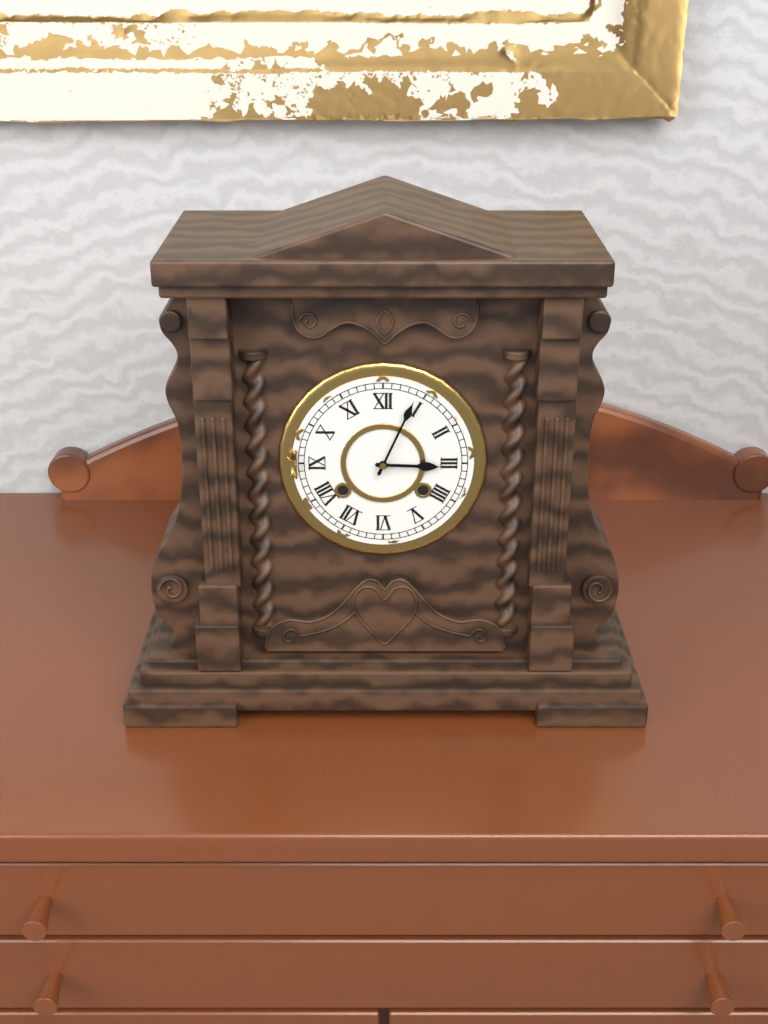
3 h 04 min
